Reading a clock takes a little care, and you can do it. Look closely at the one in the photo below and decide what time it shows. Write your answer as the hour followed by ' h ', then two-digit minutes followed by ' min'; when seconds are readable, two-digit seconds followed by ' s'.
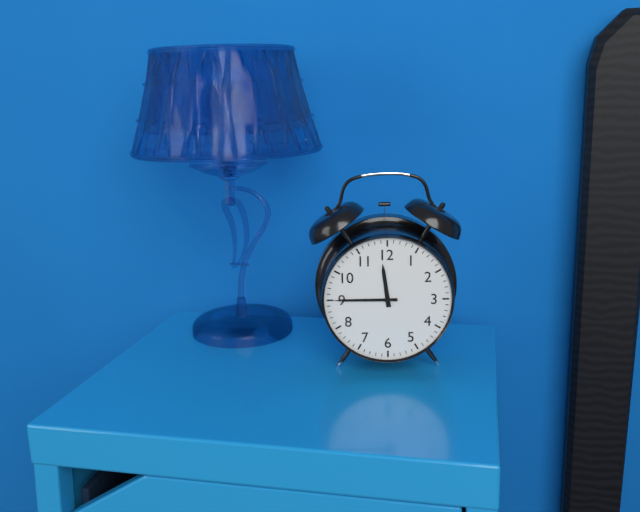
11 h 45 min
